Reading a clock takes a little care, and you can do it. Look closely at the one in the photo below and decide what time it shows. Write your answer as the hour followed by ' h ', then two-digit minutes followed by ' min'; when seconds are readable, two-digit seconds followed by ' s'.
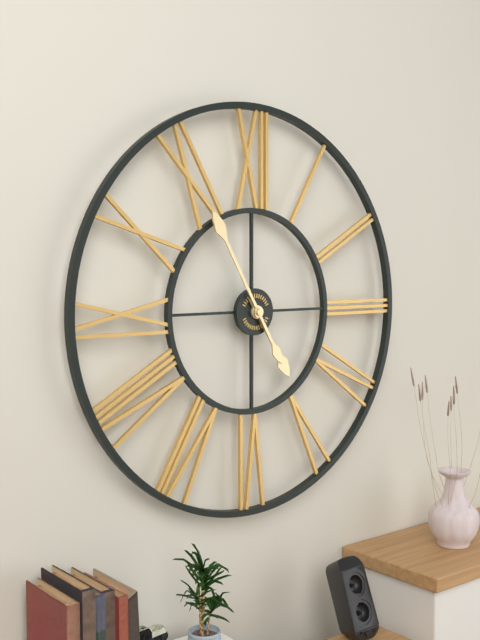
4 h 55 min
